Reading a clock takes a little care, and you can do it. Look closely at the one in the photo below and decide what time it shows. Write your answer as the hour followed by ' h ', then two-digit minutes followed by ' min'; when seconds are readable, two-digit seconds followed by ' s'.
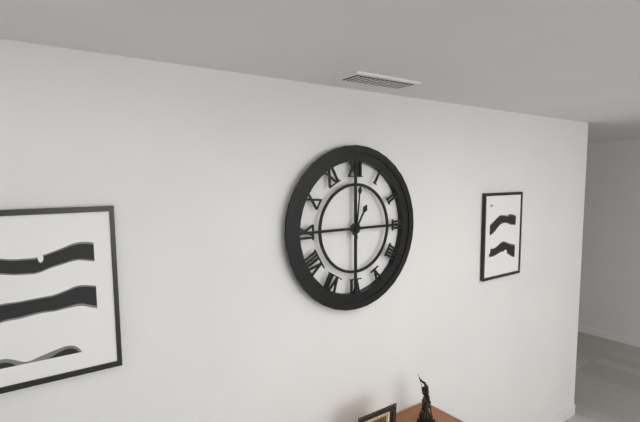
1 h 01 min
